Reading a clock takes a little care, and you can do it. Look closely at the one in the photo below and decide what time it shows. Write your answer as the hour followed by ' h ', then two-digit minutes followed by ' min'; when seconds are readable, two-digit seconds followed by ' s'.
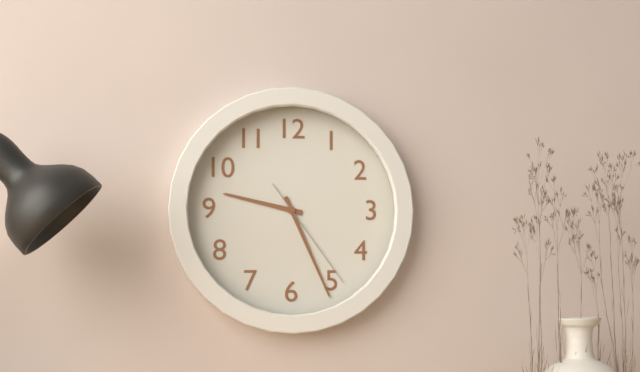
9 h 26 min 24 s
